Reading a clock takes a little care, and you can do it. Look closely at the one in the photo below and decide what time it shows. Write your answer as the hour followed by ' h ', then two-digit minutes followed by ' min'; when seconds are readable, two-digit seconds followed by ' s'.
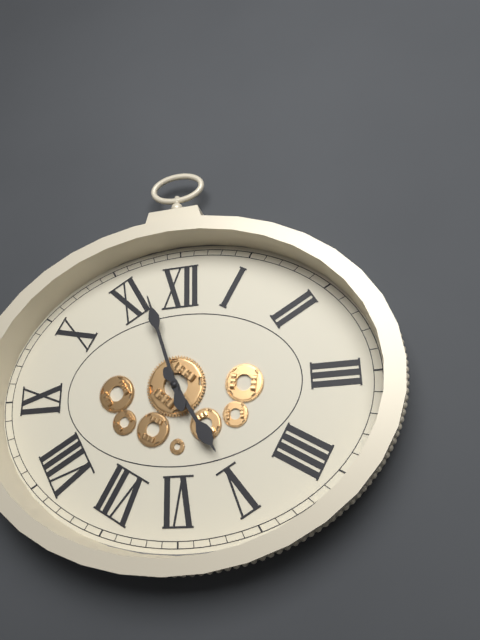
4 h 57 min
